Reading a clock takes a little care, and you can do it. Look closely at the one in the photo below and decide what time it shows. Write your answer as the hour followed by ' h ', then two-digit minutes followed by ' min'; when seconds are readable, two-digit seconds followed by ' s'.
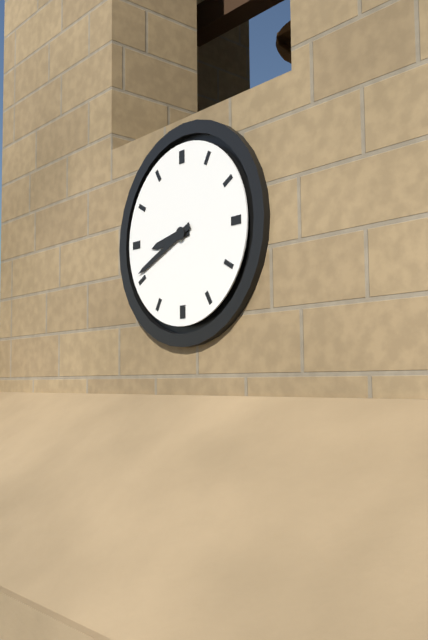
8 h 41 min
